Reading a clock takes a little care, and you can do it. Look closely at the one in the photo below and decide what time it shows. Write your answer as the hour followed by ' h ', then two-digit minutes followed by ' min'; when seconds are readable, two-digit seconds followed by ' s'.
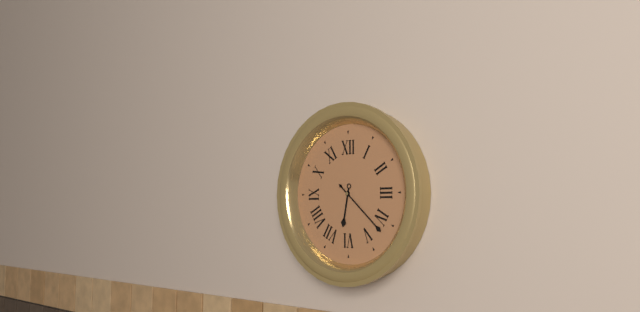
6 h 22 min
